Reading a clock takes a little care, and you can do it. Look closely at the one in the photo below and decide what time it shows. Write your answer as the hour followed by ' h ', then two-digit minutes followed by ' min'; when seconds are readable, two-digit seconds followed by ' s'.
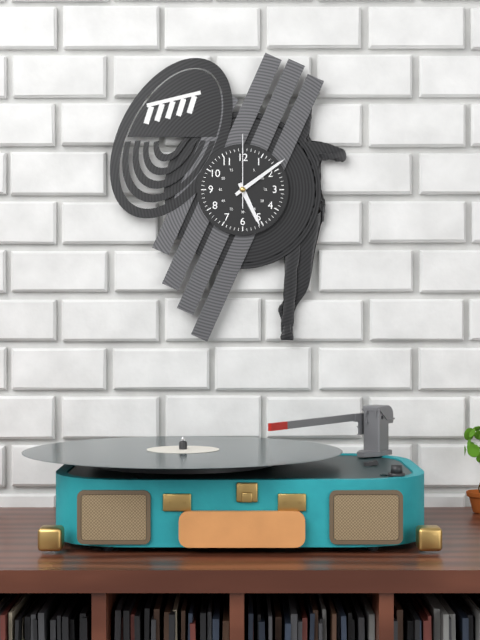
5 h 09 min 00 s
